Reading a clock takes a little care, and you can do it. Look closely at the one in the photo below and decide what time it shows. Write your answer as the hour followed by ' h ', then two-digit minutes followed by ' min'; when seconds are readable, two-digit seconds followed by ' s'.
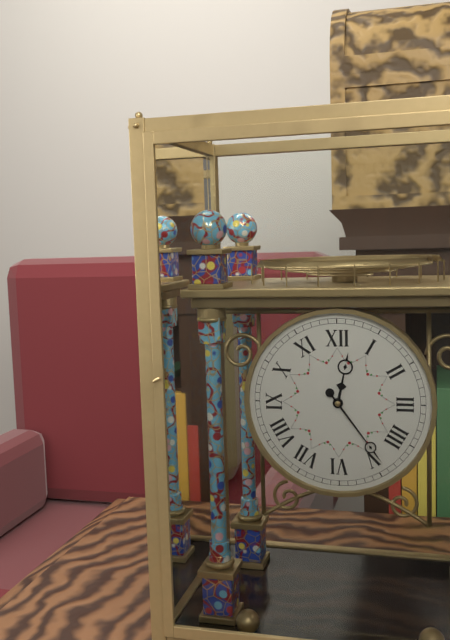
12 h 24 min
